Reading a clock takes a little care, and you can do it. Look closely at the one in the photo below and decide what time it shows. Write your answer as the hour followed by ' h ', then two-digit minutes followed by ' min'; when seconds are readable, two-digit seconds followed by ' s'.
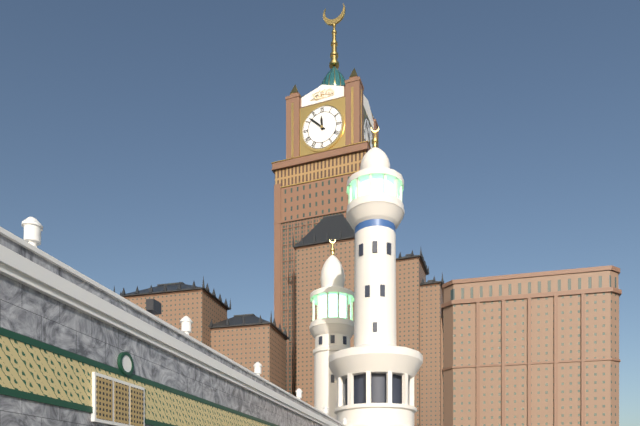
11 h 52 min
